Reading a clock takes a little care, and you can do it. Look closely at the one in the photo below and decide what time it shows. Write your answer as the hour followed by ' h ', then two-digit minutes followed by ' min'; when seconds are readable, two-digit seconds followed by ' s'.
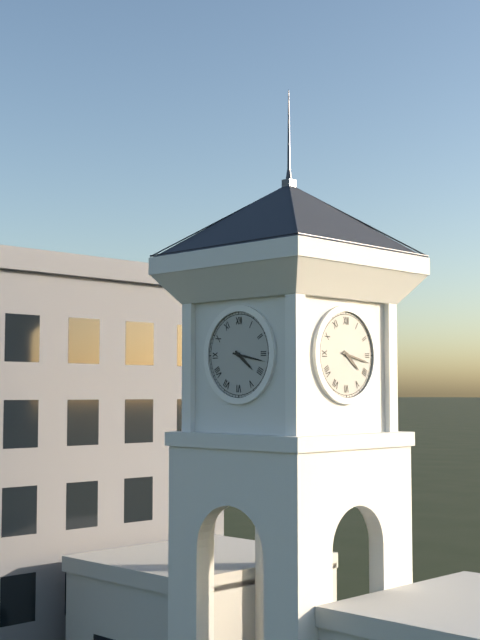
4 h 17 min
